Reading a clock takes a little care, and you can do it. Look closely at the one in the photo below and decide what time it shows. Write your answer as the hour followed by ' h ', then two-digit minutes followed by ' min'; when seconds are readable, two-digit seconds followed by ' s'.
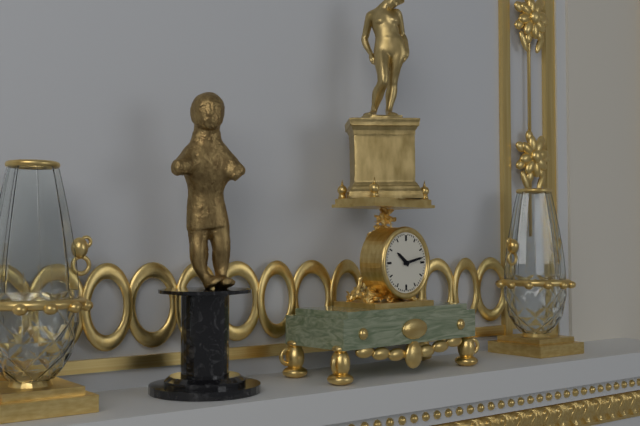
10 h 13 min
